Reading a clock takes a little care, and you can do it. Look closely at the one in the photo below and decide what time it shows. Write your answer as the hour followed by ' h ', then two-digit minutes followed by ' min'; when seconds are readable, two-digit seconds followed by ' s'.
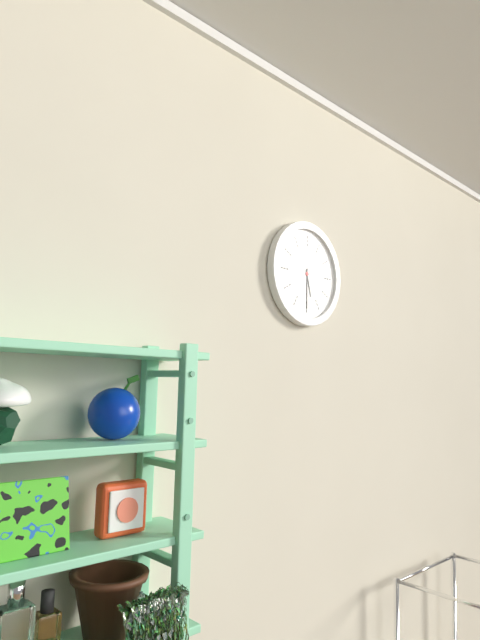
5 h 30 min
